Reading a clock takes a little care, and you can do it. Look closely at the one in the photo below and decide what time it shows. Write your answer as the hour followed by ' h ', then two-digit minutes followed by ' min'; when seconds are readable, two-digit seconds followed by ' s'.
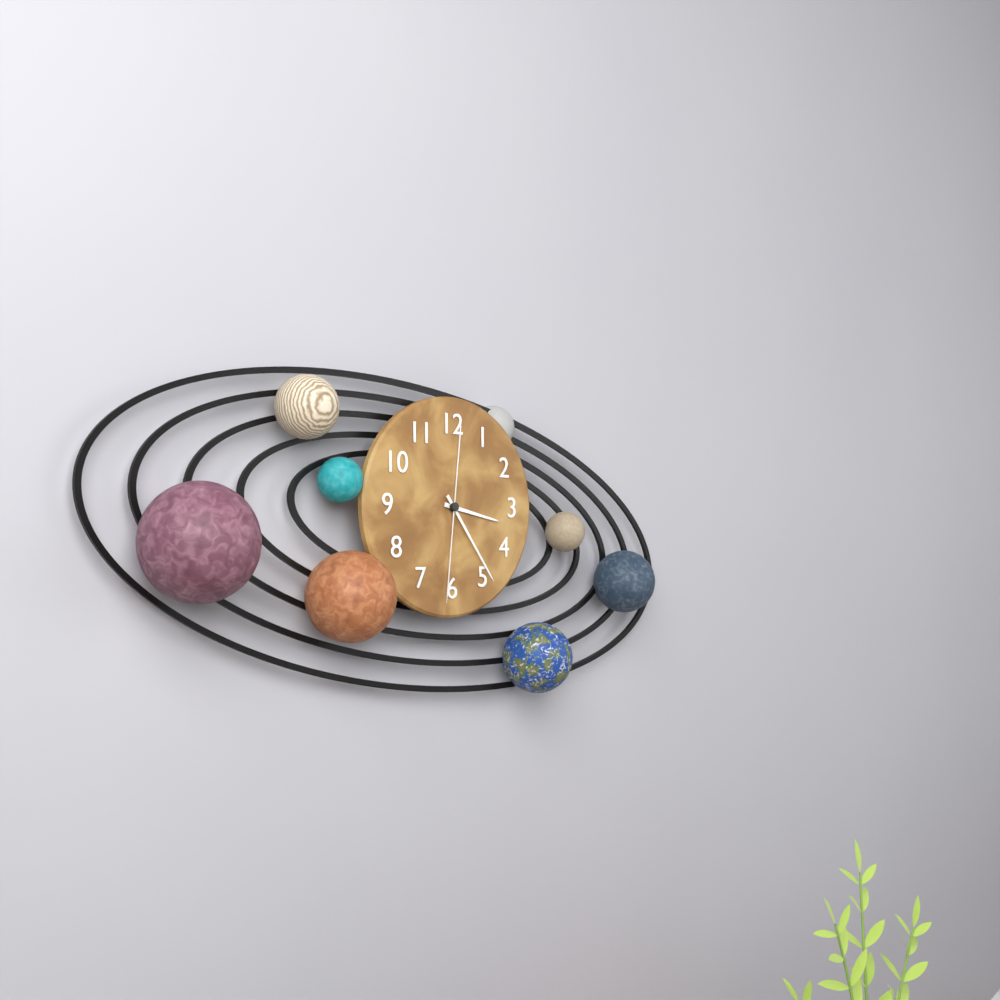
3 h 24 min 31 s
